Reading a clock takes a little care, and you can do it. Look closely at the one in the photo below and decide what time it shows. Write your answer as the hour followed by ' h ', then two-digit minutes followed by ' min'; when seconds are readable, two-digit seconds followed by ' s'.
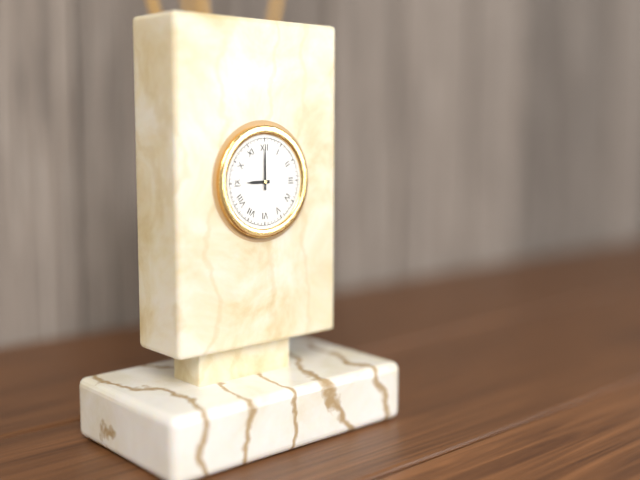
9 h 00 min
